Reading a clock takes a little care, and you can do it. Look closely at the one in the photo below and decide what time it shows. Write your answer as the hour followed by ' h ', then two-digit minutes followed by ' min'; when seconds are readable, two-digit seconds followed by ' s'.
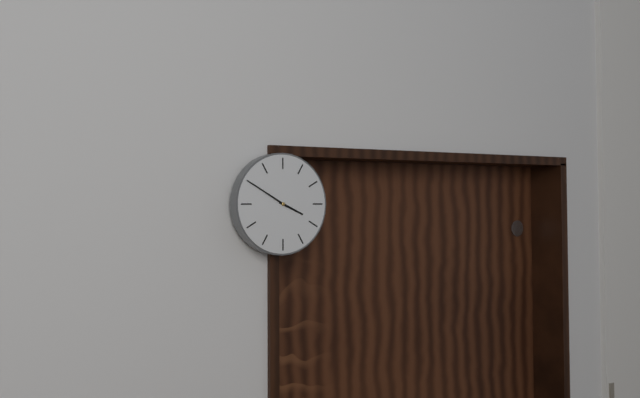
3 h 50 min
